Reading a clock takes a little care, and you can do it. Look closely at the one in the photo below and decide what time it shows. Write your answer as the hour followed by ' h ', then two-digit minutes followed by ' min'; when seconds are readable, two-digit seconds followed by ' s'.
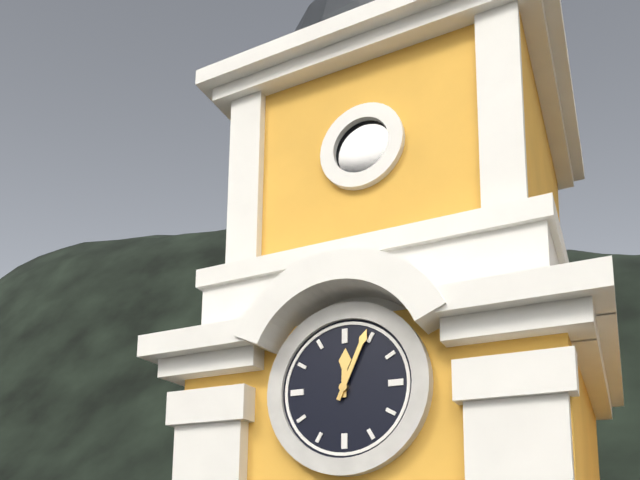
12 h 04 min
